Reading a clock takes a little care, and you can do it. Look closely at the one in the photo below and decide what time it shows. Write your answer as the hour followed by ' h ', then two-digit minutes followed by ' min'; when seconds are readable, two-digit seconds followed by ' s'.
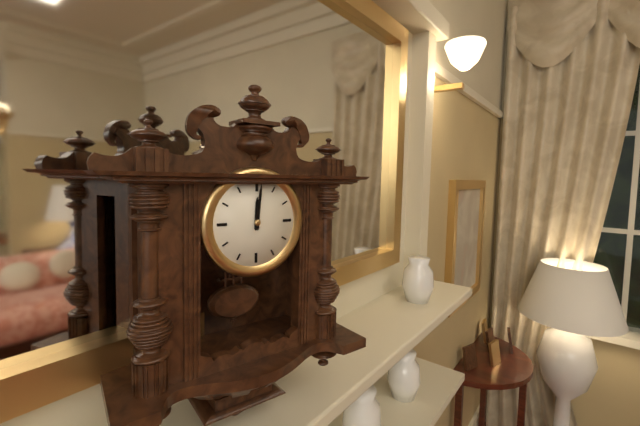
12 h 01 min
